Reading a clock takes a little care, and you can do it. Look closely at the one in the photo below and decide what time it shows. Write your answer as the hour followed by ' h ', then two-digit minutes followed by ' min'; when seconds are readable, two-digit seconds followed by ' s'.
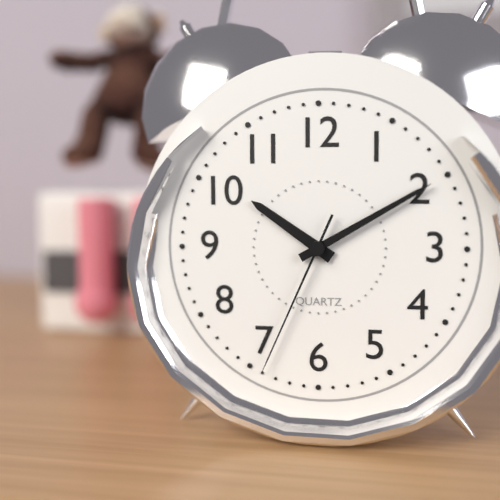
10 h 10 min 34 s
